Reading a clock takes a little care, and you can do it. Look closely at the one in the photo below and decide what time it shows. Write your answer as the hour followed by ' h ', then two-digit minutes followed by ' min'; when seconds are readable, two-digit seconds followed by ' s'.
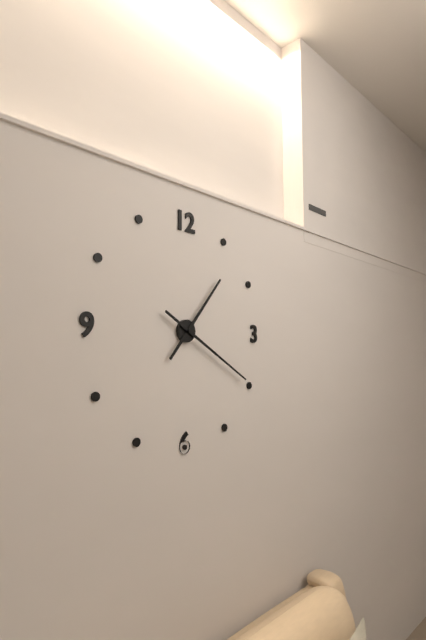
1 h 20 min
